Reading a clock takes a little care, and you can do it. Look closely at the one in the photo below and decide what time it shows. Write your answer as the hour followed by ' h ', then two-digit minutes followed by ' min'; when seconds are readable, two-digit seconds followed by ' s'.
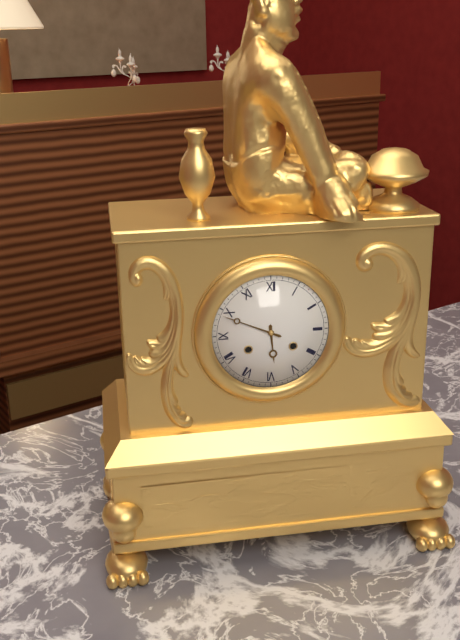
5 h 49 min
